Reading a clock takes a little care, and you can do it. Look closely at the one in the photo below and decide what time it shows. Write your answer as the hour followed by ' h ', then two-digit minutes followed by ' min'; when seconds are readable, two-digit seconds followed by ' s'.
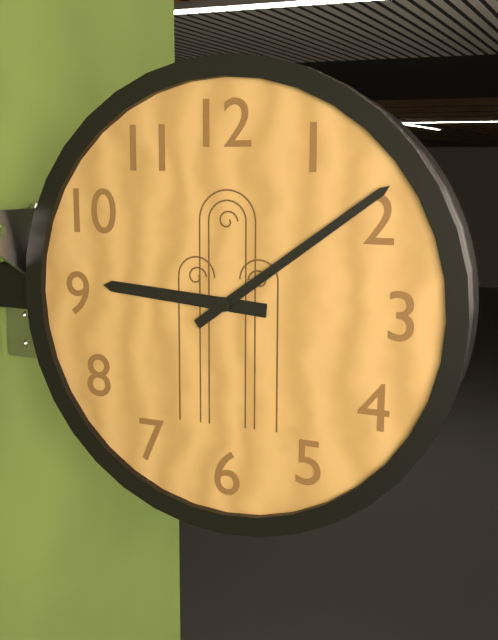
9 h 09 min
